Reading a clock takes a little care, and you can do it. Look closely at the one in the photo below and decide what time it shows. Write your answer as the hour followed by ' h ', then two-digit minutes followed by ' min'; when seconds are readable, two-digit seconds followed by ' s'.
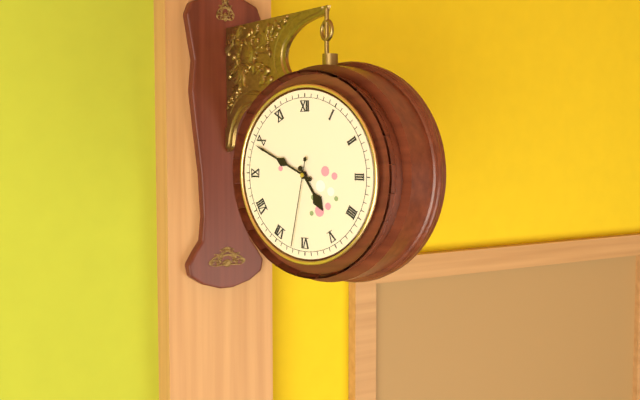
4 h 49 min 32 s
